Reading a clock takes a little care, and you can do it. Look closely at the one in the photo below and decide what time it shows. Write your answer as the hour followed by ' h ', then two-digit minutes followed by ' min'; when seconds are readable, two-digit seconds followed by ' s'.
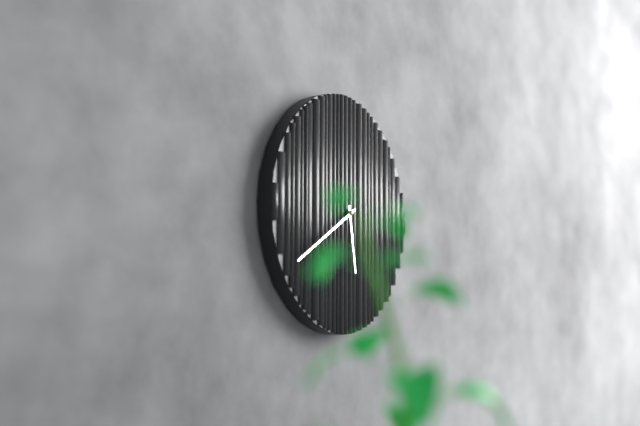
5 h 40 min
